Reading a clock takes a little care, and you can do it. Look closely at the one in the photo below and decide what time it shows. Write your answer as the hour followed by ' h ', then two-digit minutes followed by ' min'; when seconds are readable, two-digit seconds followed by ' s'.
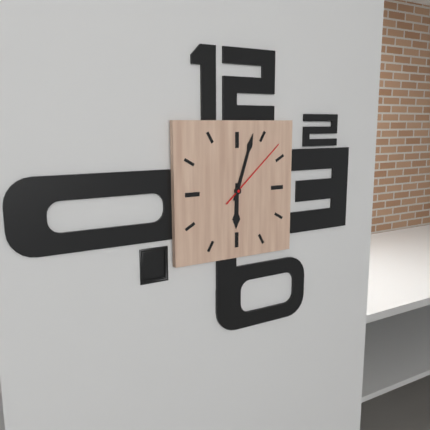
6 h 03 min 08 s
